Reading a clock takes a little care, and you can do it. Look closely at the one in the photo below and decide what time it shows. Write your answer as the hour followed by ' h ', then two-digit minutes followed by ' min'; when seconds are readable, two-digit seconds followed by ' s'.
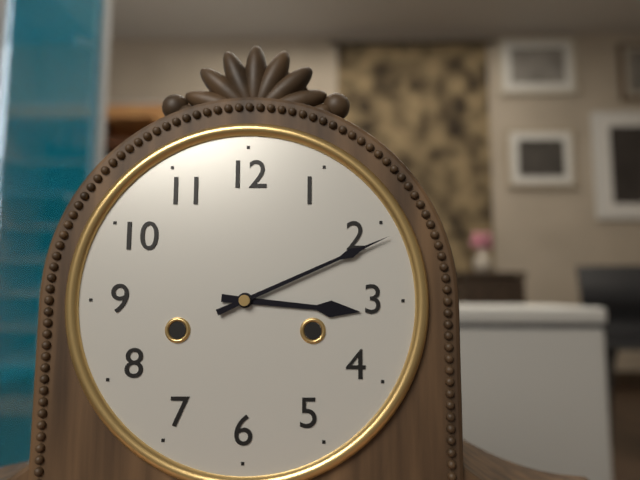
3 h 11 min
